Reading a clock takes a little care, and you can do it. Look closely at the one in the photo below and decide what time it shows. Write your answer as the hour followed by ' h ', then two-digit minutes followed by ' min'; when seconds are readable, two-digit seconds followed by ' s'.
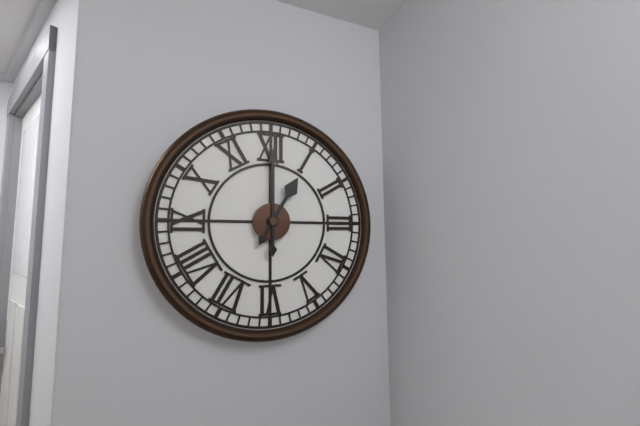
1 h 00 min
